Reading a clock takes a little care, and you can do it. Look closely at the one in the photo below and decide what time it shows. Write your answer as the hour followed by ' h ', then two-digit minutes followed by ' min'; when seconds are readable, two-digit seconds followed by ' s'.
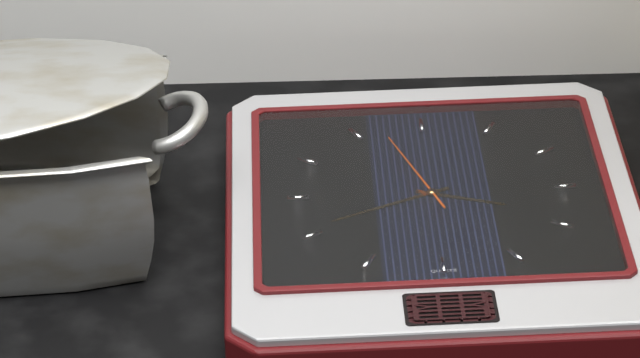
3 h 41 min 57 s
